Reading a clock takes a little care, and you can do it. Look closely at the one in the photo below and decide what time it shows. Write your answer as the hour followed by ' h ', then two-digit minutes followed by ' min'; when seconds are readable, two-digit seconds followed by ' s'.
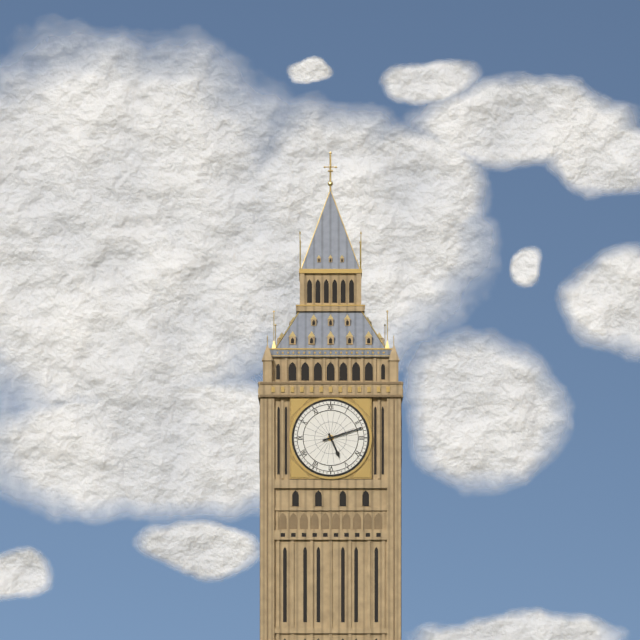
5 h 12 min
